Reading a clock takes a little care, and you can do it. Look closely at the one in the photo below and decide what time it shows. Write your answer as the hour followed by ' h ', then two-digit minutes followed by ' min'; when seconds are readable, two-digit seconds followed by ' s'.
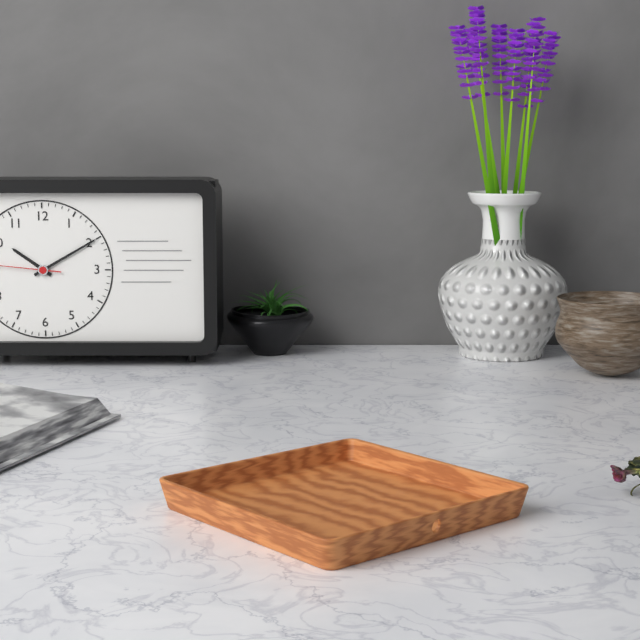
10 h 10 min
